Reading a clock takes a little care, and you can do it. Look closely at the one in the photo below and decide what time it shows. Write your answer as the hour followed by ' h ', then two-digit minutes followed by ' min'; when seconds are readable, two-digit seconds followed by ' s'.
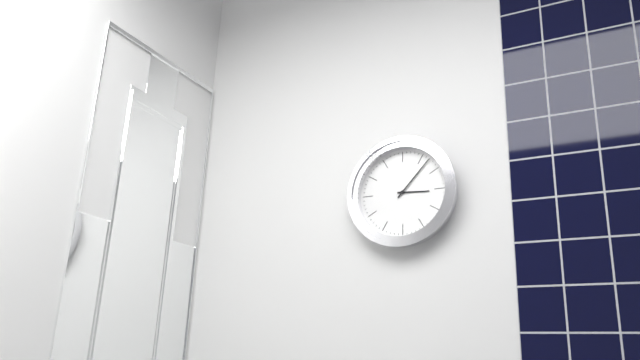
3 h 07 min
